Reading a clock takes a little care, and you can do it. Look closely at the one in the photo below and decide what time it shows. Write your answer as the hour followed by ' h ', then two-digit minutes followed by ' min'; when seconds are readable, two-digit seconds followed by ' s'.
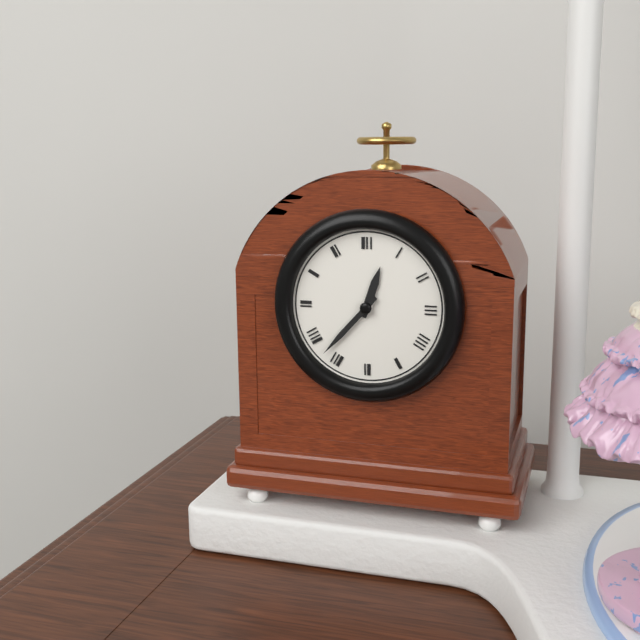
12 h 37 min
